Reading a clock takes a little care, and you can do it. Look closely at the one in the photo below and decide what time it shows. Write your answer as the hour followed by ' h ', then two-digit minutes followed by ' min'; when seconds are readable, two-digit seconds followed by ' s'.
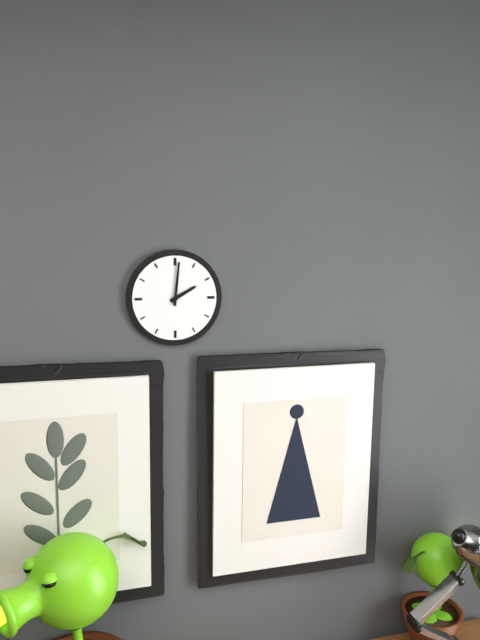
2 h 01 min
